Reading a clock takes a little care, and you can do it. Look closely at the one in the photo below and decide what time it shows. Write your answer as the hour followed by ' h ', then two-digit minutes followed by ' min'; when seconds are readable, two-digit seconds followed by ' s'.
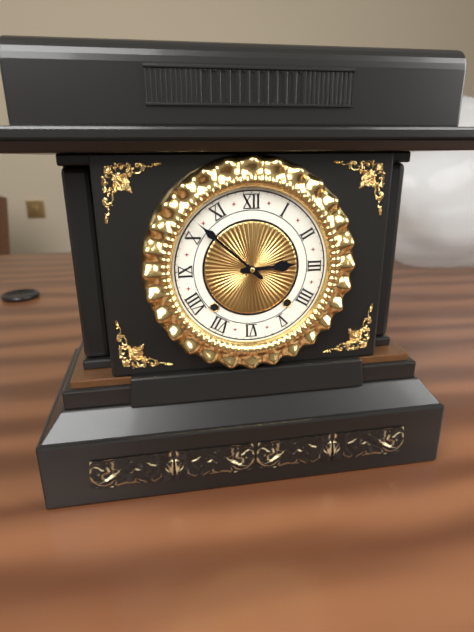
2 h 52 min
